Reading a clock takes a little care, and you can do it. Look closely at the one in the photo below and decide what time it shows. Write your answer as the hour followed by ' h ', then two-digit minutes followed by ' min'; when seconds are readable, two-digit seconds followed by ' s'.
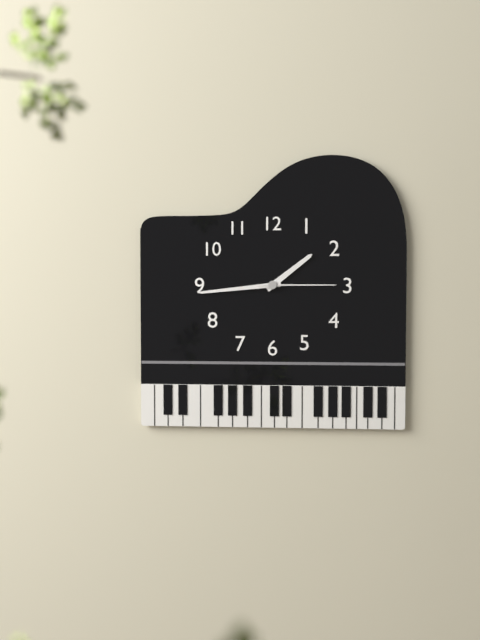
1 h 44 min 15 s
